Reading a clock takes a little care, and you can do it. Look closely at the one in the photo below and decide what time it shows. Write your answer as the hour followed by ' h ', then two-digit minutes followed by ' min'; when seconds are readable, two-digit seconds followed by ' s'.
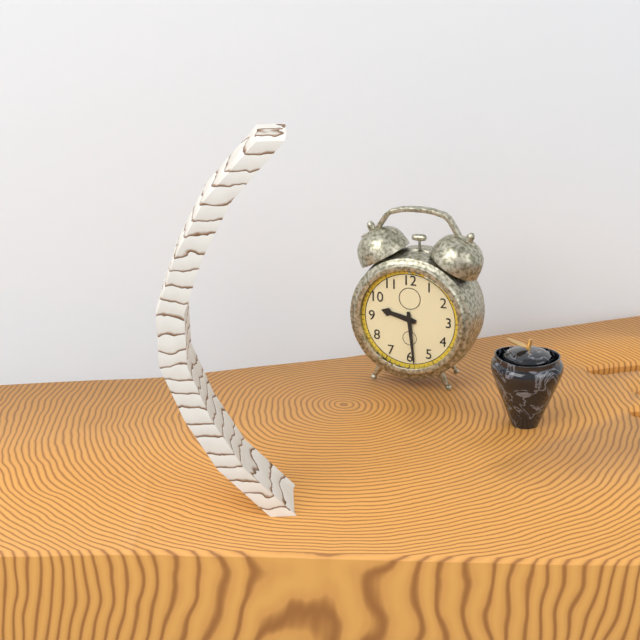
9 h 29 min
